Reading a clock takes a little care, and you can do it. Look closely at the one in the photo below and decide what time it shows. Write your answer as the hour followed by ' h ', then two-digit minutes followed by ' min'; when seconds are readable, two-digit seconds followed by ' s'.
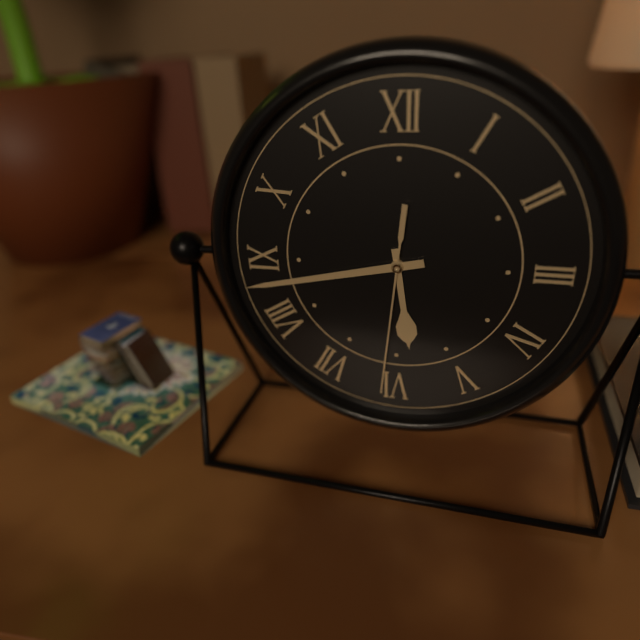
5 h 43 min 31 s
